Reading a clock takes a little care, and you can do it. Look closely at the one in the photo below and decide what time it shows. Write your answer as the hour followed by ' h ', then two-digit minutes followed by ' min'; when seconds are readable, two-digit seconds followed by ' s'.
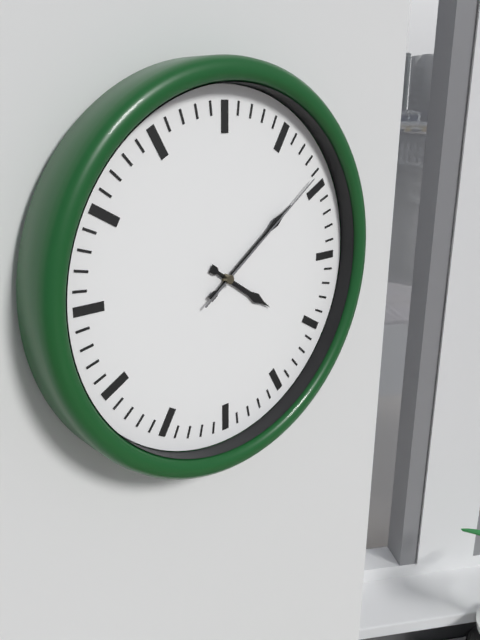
4 h 09 min 09 s
